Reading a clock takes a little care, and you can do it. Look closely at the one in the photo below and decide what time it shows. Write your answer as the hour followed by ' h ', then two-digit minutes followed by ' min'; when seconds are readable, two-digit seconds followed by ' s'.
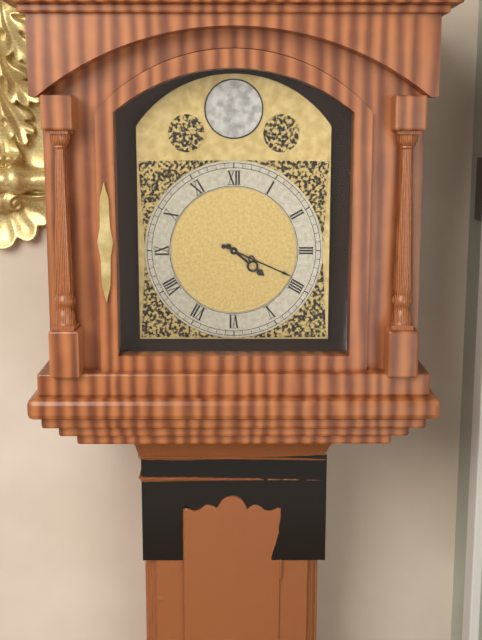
4 h 19 min
